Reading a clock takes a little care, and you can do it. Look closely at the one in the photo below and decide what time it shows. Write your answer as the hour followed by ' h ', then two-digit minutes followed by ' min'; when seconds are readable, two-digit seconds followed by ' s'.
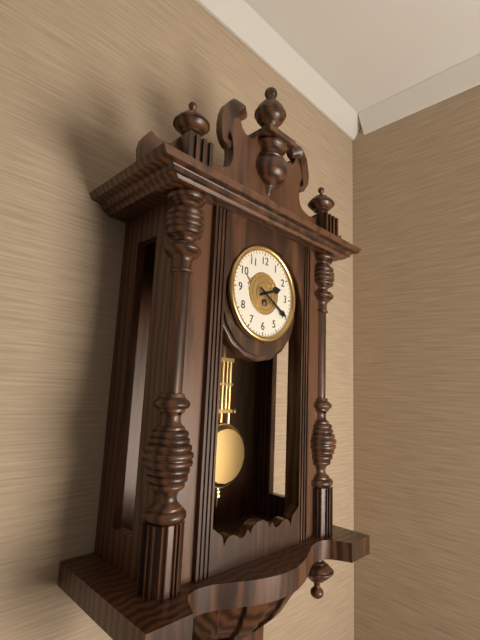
2 h 20 min
